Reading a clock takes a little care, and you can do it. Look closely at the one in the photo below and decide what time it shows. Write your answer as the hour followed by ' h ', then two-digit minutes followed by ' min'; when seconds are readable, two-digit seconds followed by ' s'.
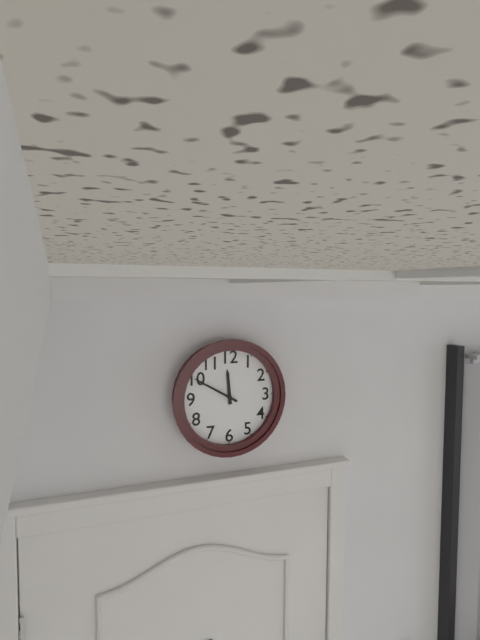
11 h 50 min
